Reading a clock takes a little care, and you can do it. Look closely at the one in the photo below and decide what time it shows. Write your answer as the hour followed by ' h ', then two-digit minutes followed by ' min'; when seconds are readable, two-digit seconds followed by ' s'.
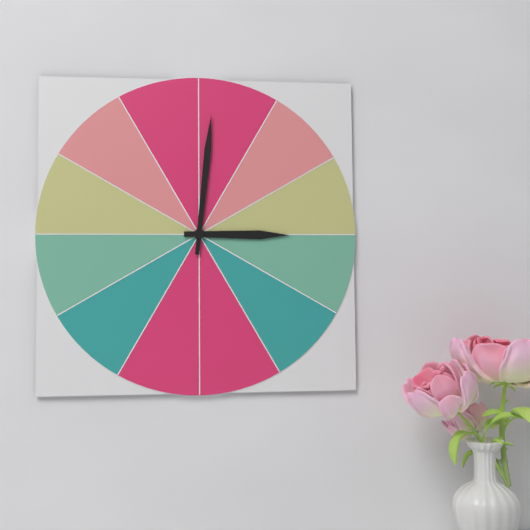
3 h 01 min
